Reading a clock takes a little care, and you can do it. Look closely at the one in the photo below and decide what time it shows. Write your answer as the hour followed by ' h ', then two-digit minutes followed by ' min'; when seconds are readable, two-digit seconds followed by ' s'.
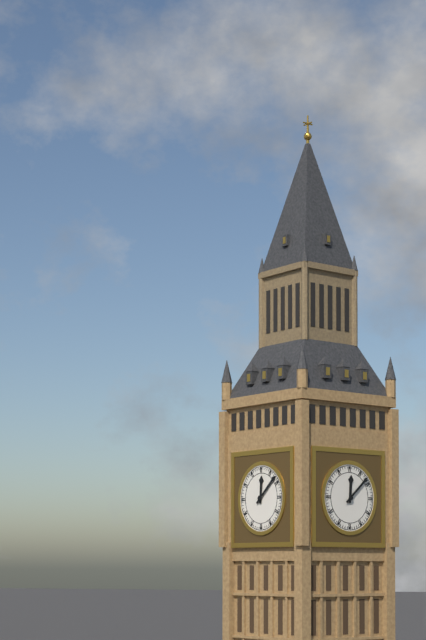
12 h 08 min
